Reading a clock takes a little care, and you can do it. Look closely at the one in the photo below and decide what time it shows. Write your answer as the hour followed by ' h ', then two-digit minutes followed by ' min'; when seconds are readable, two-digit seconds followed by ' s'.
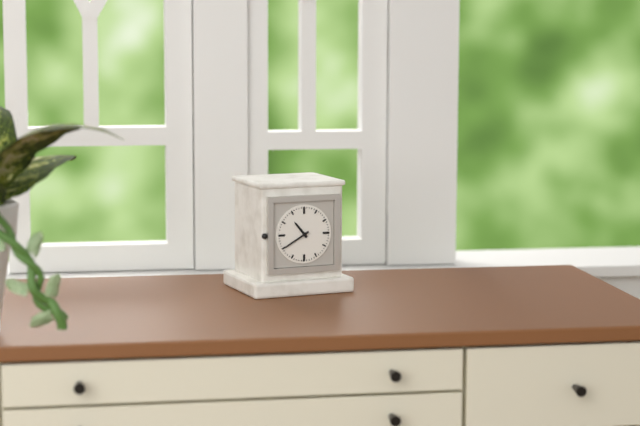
10 h 40 min
